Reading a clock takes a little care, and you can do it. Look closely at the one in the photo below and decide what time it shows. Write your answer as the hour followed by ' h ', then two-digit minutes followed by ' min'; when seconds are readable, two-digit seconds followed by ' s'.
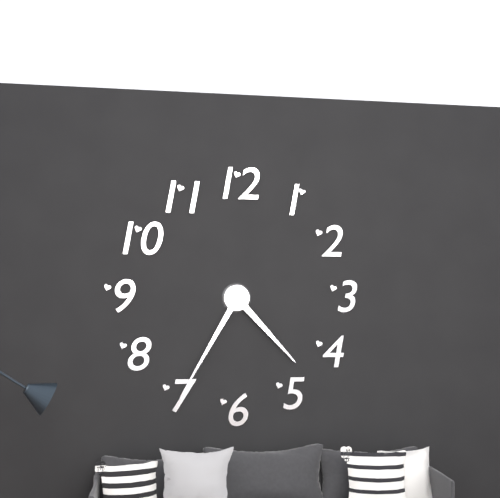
4 h 35 min
